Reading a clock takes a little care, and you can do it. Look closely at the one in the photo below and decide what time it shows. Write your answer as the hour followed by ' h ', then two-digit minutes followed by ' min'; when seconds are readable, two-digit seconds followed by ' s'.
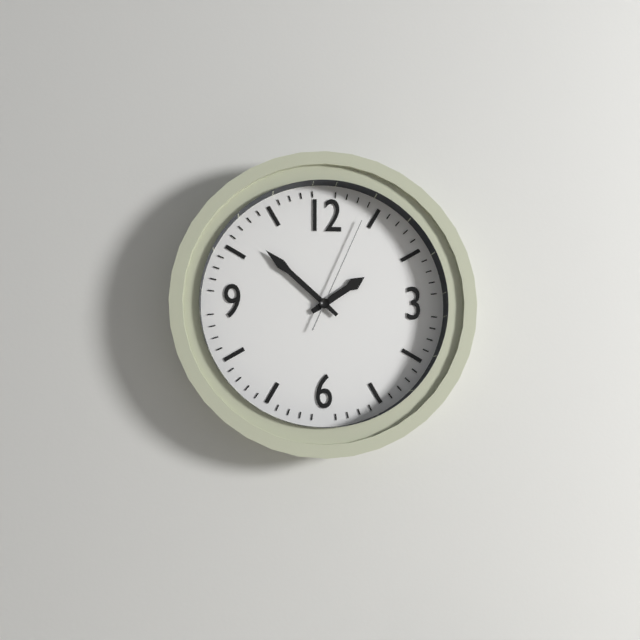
1 h 52 min 04 s
